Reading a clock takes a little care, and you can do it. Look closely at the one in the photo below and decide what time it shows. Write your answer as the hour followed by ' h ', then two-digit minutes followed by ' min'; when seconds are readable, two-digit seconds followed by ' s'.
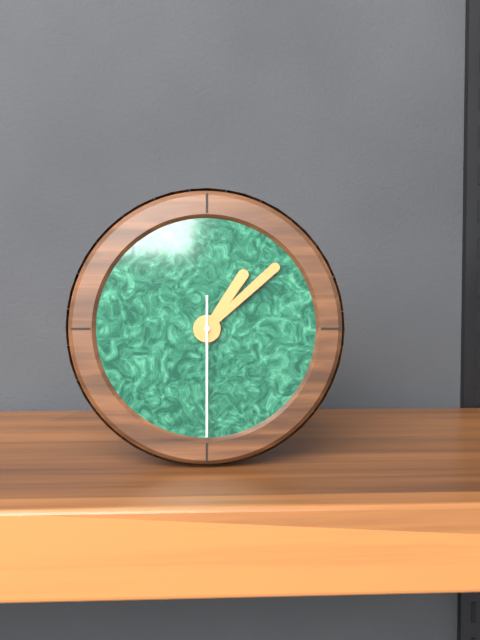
1 h 08 min 30 s
